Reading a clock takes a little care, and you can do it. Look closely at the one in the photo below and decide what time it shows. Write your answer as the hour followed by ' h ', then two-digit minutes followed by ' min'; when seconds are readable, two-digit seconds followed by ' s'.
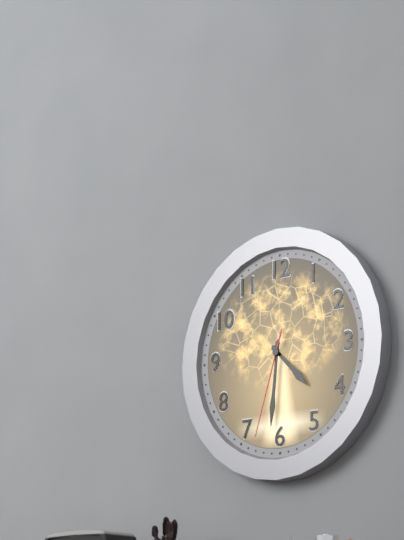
4 h 31 min 33 s
